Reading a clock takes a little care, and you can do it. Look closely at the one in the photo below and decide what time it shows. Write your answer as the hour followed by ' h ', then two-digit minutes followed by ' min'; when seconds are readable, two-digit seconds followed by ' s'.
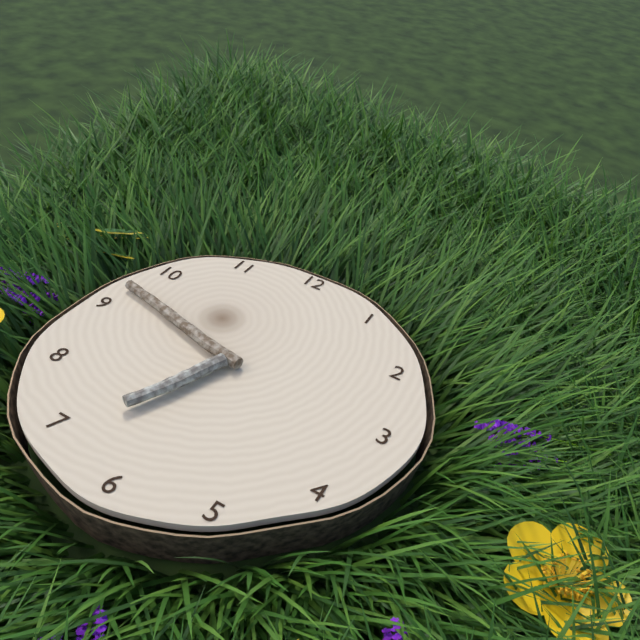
6 h 47 min
